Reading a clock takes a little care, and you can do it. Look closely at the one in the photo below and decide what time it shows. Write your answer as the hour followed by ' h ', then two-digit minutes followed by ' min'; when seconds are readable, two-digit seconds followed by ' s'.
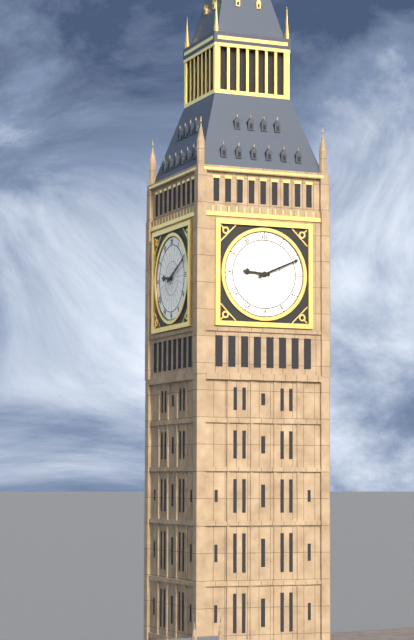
9 h 11 min
